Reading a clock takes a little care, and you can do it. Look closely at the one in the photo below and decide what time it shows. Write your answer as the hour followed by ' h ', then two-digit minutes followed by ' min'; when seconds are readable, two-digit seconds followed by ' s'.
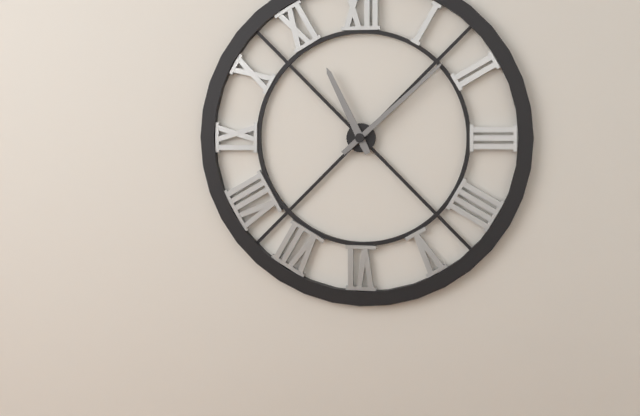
11 h 08 min
